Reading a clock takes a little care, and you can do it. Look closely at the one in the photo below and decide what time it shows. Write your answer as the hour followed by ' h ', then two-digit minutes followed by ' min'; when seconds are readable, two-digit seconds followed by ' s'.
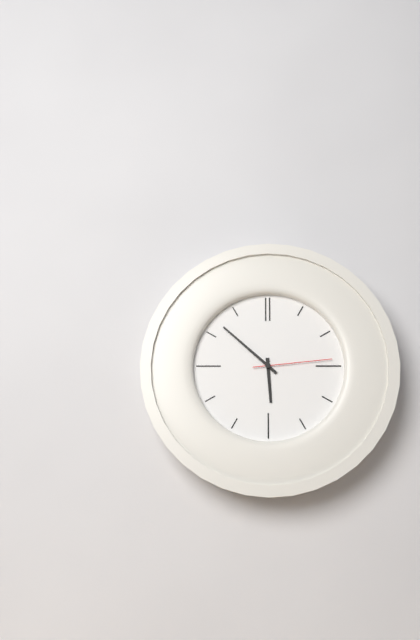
5 h 52 min 14 s
